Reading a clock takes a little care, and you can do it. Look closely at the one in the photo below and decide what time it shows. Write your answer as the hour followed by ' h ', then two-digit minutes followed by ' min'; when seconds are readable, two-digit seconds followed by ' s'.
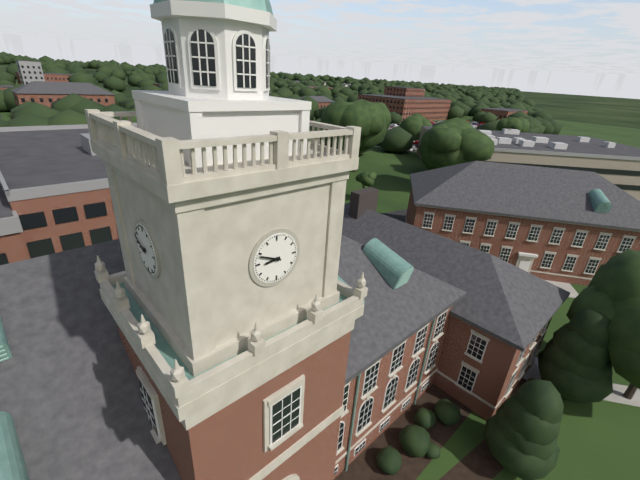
8 h 49 min
